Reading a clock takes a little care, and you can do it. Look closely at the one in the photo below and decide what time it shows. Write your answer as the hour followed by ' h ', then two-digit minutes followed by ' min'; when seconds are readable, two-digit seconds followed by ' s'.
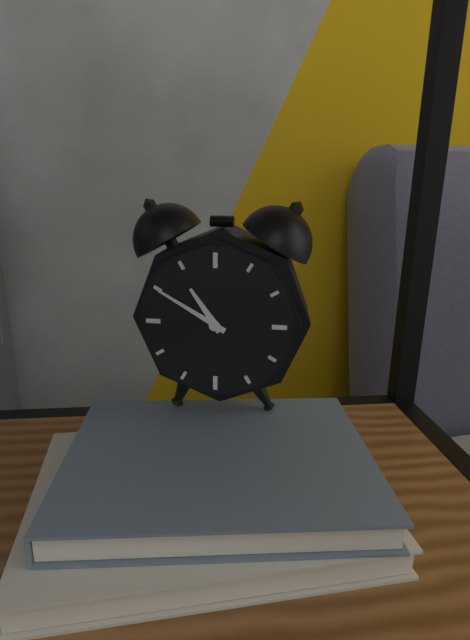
10 h 50 min
